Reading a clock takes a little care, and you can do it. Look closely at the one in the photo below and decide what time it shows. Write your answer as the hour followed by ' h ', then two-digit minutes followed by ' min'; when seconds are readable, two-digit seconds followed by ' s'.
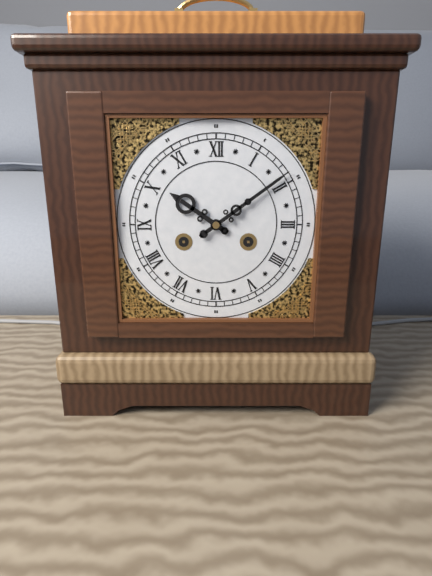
10 h 09 min
